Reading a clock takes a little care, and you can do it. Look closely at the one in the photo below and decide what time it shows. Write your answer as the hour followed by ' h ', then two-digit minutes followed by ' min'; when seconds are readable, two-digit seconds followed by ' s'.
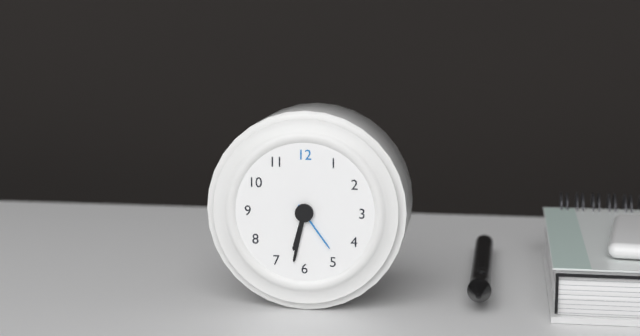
6 h 32 min 24 s
